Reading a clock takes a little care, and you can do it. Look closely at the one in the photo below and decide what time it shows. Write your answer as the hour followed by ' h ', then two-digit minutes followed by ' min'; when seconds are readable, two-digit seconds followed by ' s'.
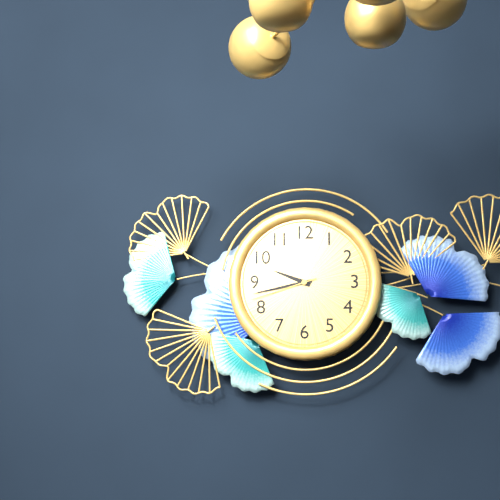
9 h 43 min 42 s
